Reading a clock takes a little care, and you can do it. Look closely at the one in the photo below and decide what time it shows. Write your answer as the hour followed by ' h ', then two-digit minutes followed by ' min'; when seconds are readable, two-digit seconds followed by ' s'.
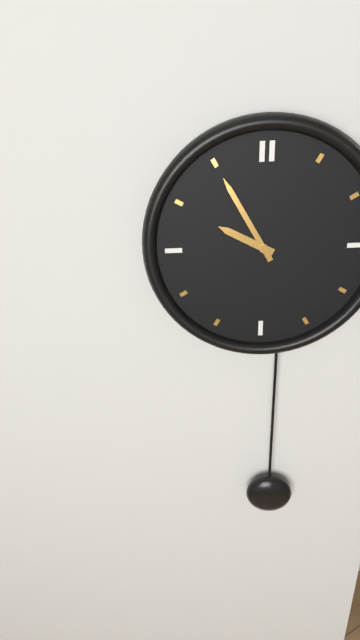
9 h 55 min
